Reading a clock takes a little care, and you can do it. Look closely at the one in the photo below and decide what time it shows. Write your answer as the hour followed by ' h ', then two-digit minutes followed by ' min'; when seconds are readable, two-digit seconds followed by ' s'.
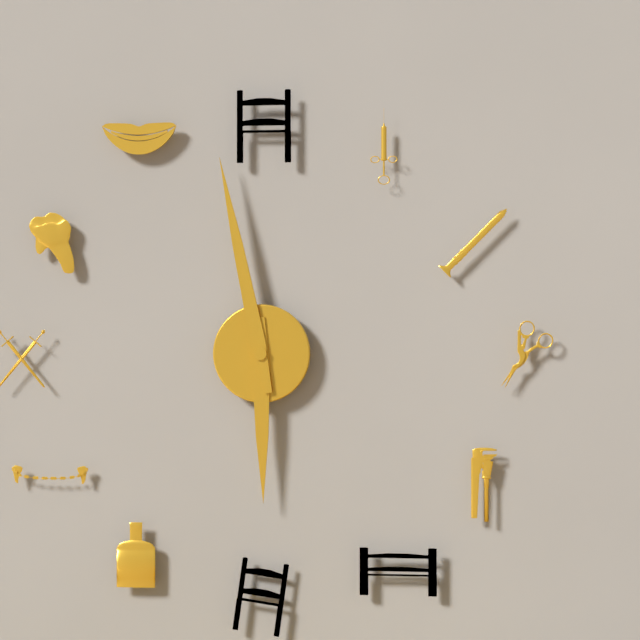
5 h 58 min
